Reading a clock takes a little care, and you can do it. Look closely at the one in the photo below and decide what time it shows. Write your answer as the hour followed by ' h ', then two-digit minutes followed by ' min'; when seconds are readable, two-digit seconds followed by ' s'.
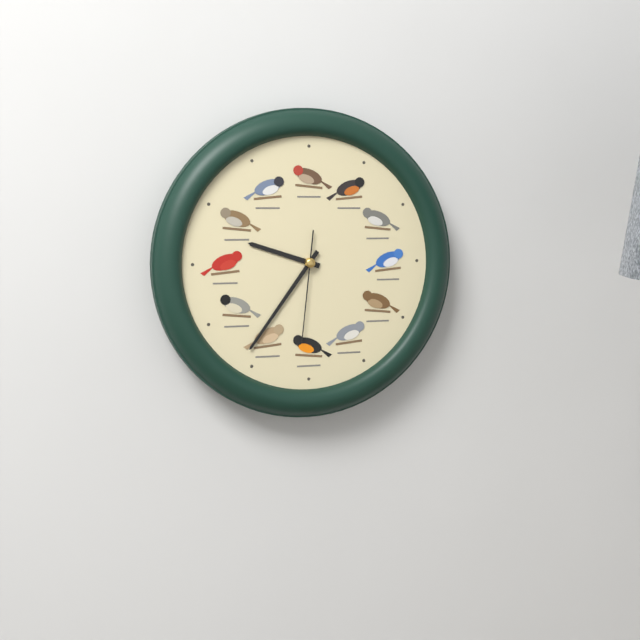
9 h 36 min 31 s
